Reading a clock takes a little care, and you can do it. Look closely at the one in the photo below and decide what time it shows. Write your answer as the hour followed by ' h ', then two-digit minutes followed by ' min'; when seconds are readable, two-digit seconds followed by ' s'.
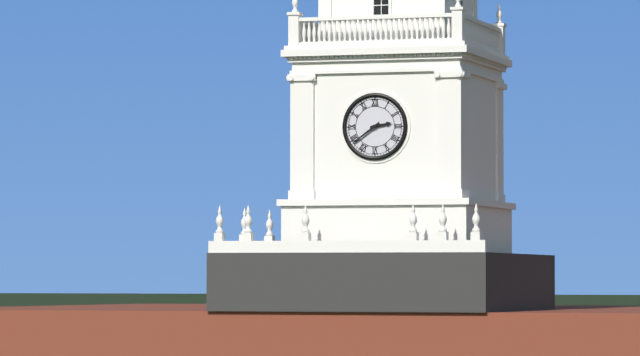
2 h 39 min
